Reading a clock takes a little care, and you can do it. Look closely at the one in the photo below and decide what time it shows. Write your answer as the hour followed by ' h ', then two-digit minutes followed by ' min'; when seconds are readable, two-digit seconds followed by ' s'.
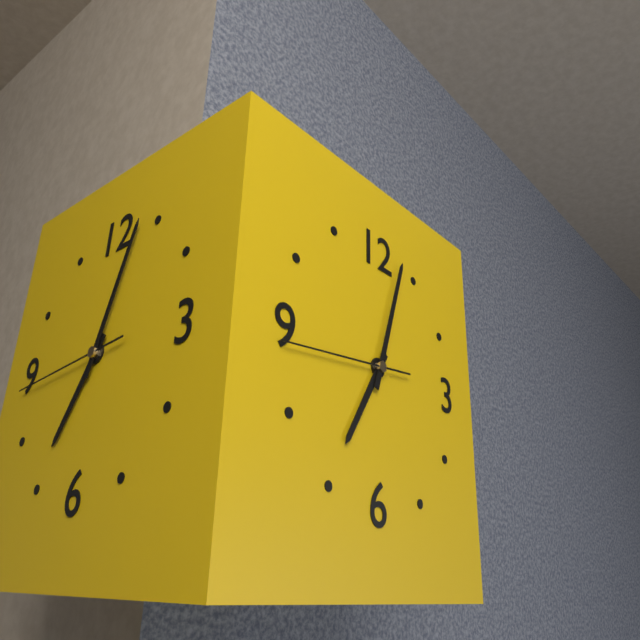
7 h 03 min 44 s
